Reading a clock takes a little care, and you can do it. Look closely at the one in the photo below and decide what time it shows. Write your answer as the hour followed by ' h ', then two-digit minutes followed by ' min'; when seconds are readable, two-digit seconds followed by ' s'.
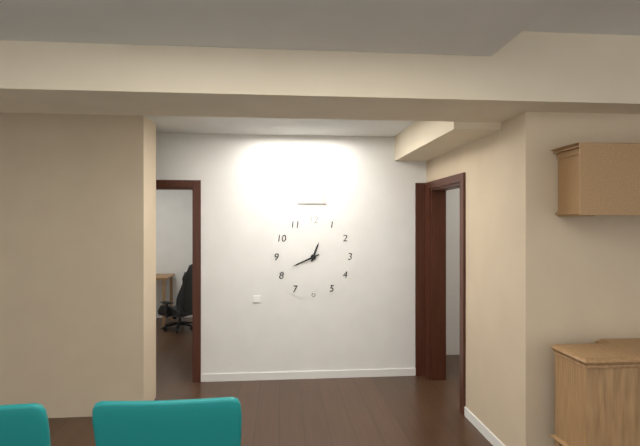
12 h 41 min
